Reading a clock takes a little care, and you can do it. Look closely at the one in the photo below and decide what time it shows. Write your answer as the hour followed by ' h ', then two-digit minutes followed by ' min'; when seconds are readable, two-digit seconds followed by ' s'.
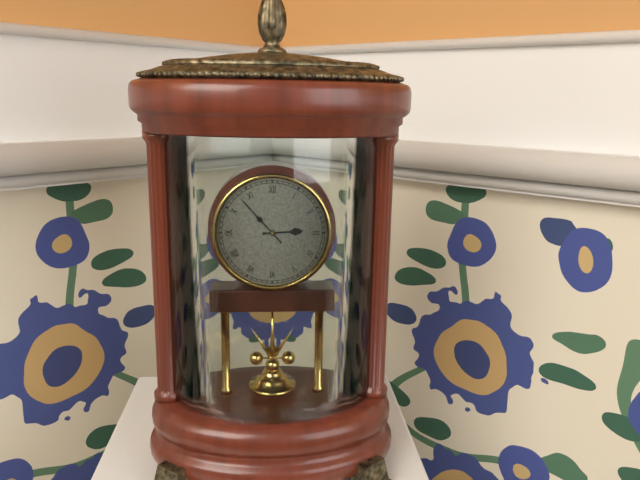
2 h 53 min
